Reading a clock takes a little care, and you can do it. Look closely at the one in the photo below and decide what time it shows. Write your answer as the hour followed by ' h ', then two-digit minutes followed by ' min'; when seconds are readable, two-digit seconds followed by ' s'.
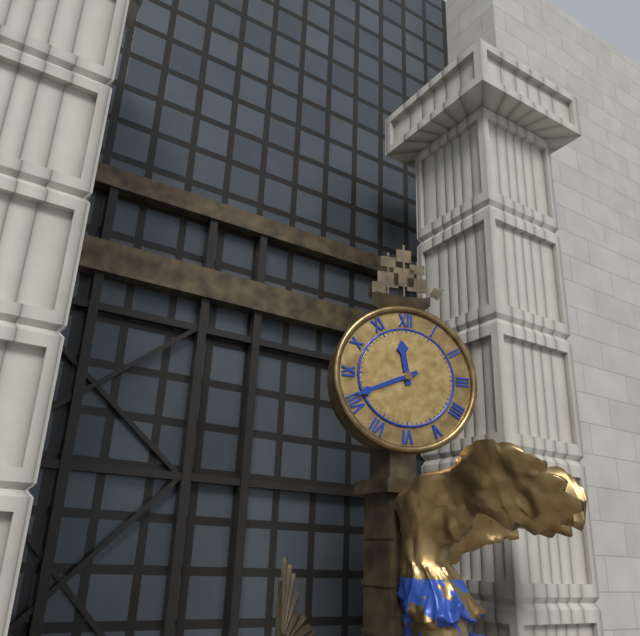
11 h 41 min
